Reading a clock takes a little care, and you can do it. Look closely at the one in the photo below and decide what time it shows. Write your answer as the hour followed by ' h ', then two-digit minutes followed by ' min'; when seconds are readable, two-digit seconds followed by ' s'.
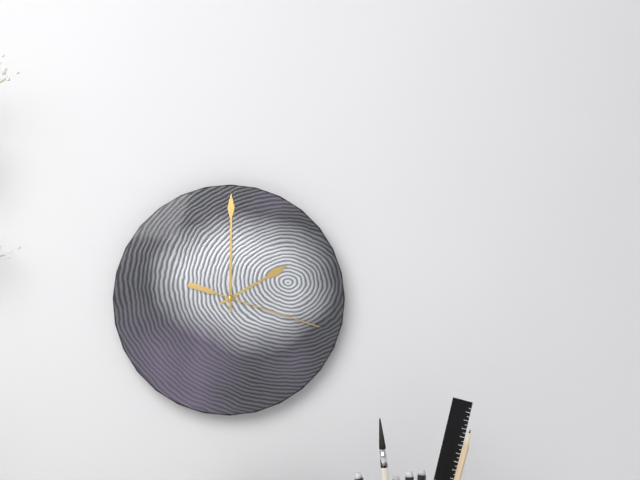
2 h 00 min 18 s
